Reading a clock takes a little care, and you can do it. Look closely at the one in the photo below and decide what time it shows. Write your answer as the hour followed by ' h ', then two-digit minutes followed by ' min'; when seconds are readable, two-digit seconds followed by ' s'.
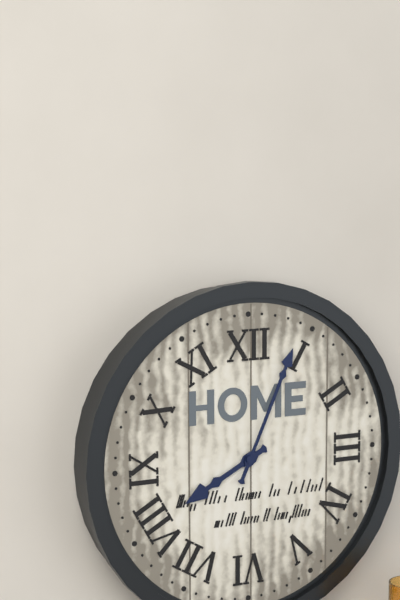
8 h 04 min
